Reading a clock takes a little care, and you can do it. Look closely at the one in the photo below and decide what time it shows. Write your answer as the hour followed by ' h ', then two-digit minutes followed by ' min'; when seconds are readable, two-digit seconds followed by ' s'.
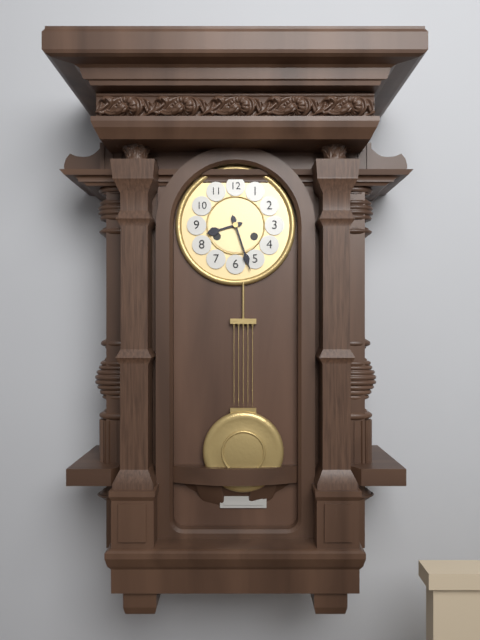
8 h 27 min
